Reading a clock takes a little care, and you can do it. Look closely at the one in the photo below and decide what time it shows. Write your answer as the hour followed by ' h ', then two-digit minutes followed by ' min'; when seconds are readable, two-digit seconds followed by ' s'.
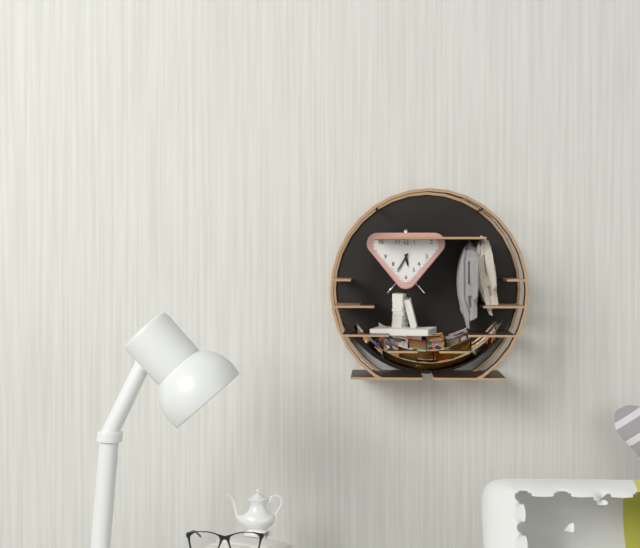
5 h 35 min
